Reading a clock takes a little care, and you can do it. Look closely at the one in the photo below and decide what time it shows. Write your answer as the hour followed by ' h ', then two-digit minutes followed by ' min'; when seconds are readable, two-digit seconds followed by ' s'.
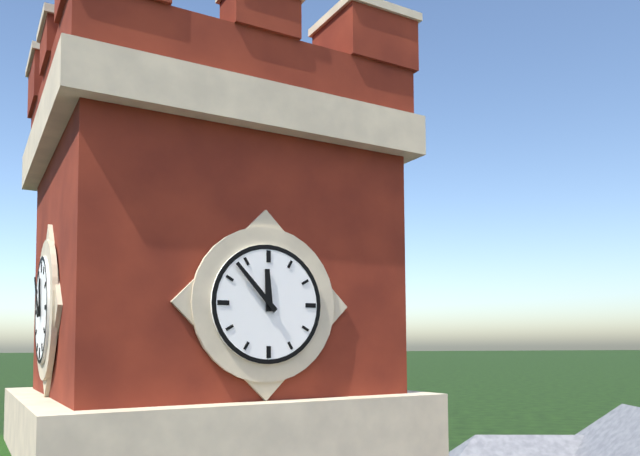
11 h 53 min
